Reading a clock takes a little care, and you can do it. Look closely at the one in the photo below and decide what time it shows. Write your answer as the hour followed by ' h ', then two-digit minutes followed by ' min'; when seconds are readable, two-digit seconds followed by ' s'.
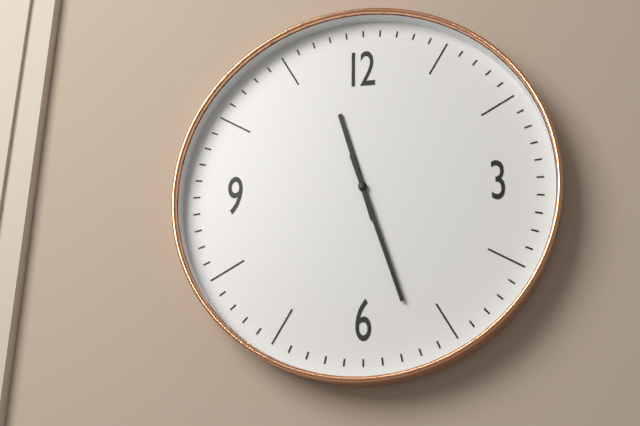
11 h 27 min
